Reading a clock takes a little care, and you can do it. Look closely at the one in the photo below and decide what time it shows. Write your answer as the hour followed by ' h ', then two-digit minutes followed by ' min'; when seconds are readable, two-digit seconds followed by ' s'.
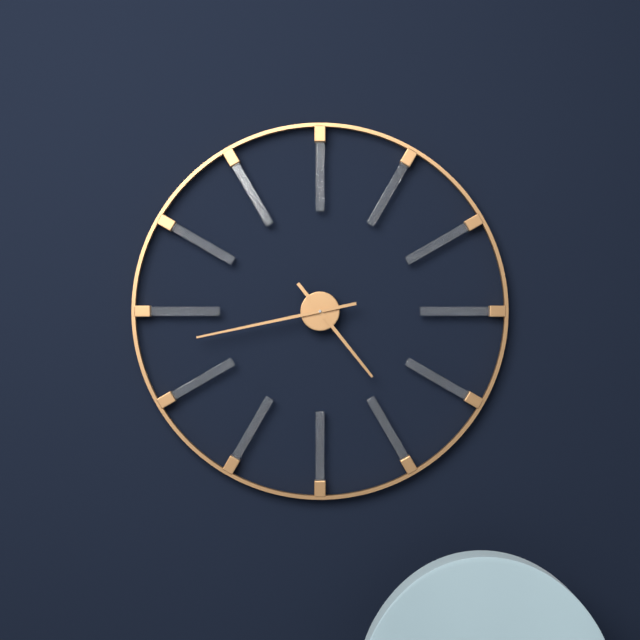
4 h 43 min
